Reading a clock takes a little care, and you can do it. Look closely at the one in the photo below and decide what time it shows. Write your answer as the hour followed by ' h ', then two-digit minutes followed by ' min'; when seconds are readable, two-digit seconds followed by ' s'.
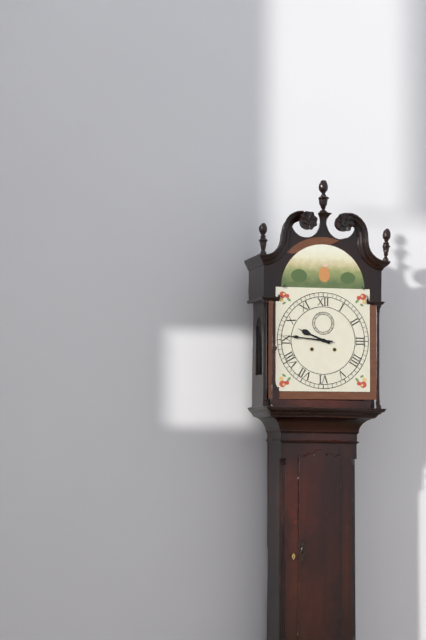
9 h 46 min
